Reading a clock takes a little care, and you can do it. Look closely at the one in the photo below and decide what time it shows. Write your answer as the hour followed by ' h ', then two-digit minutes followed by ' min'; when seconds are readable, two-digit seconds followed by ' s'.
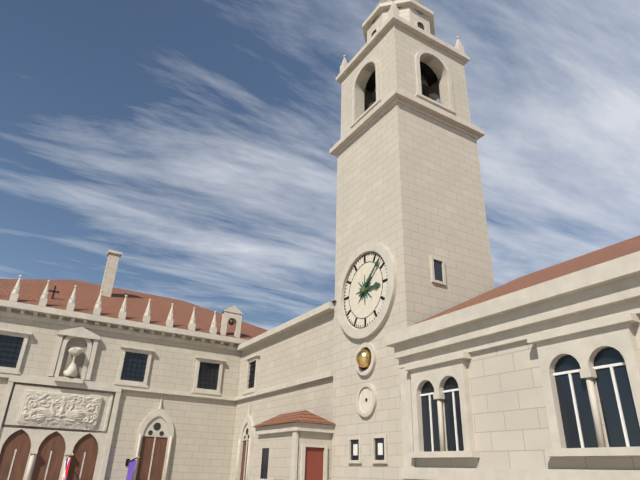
3 h 08 min
